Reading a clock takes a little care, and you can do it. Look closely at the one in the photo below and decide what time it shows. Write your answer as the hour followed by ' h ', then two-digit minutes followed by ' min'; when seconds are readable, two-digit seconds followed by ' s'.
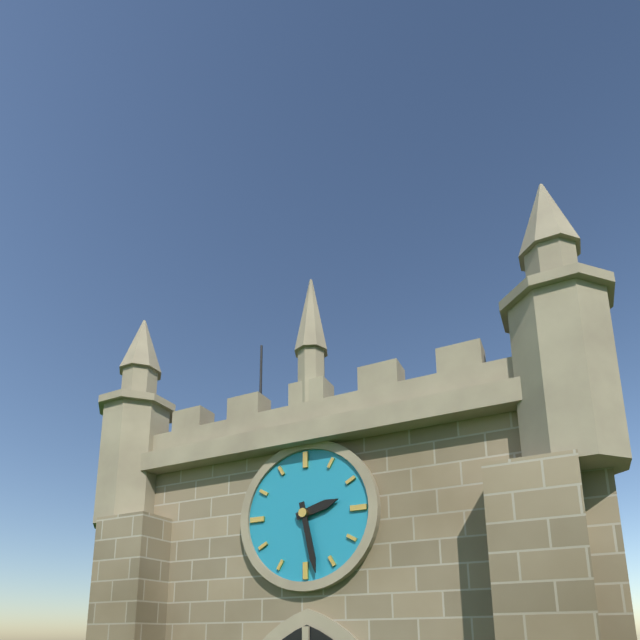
2 h 28 min
